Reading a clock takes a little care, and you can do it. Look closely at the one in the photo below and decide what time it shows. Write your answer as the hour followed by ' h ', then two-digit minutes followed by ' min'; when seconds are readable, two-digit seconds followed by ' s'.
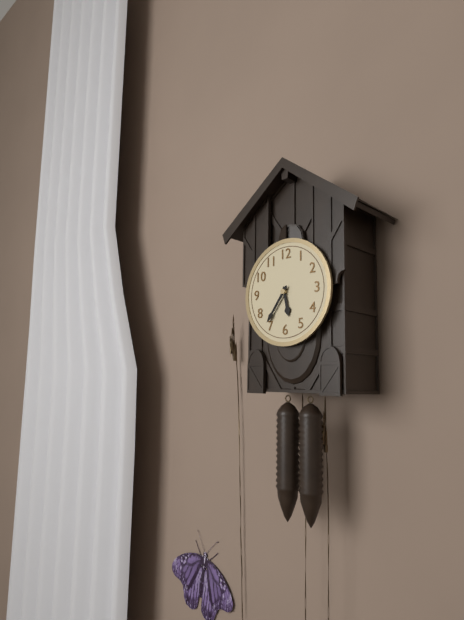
5 h 36 min
